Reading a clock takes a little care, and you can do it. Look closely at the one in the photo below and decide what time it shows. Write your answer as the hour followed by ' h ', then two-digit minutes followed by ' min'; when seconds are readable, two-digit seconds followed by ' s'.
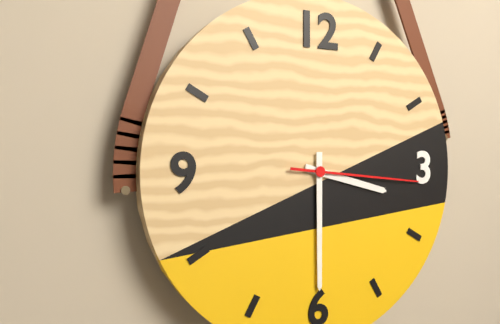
3 h 30 min 16 s
